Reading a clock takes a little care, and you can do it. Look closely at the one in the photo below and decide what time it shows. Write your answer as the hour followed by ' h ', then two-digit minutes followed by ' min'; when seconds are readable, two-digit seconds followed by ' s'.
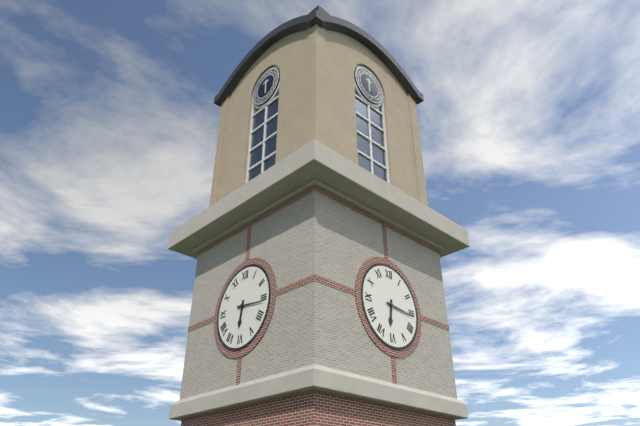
6 h 16 min
